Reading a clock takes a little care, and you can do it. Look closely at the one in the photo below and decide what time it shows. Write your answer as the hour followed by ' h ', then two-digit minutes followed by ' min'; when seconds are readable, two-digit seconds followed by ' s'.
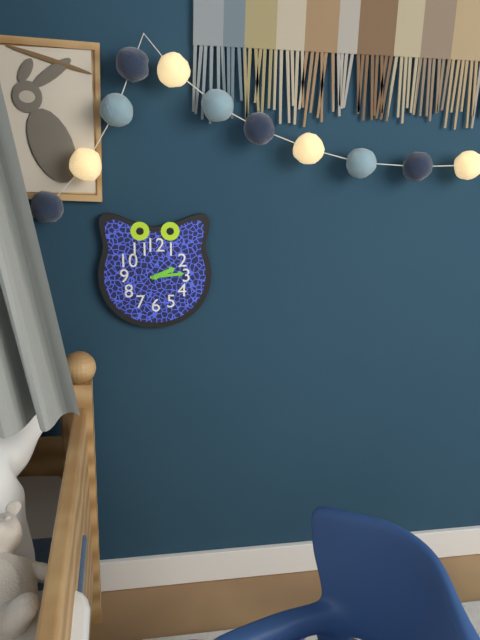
2 h 14 min
